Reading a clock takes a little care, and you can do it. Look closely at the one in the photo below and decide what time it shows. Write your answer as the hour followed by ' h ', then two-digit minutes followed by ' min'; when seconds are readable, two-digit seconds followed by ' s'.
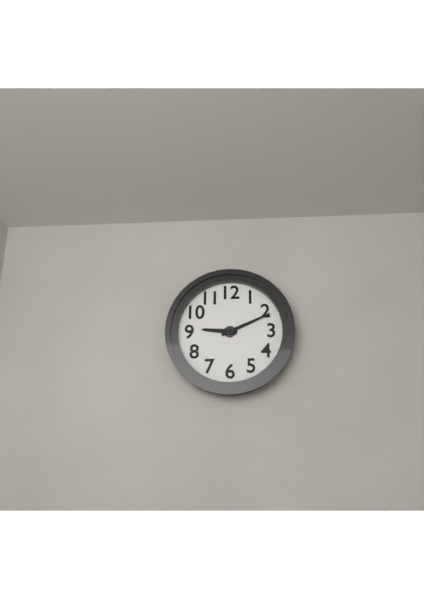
9 h 11 min
